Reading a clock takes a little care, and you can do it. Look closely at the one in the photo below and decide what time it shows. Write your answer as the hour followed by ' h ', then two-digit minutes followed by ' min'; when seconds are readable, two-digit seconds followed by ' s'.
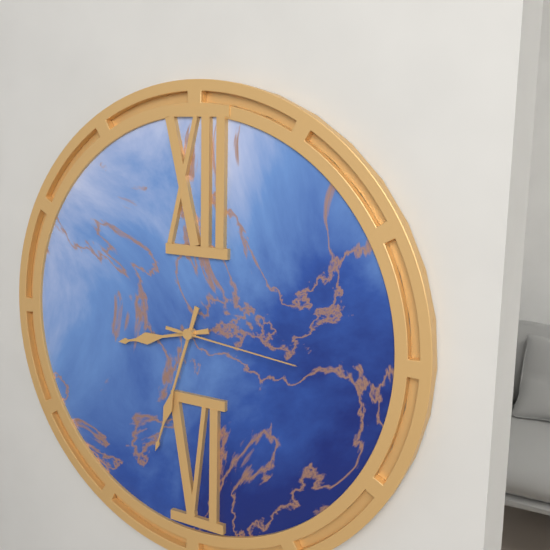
8 h 33 min 16 s
